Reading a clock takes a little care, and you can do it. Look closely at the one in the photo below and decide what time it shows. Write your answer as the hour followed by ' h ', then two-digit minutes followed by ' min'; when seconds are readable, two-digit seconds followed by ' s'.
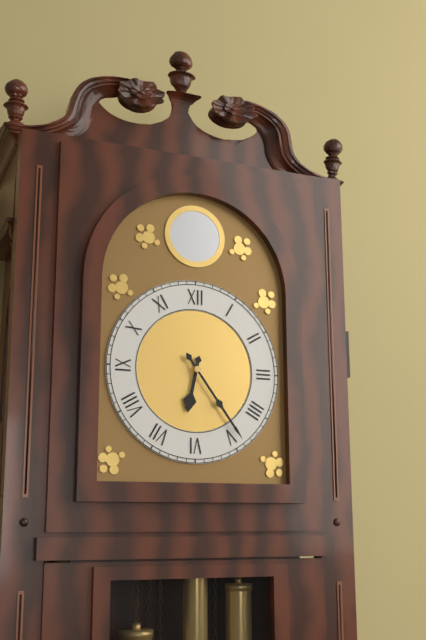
6 h 24 min
